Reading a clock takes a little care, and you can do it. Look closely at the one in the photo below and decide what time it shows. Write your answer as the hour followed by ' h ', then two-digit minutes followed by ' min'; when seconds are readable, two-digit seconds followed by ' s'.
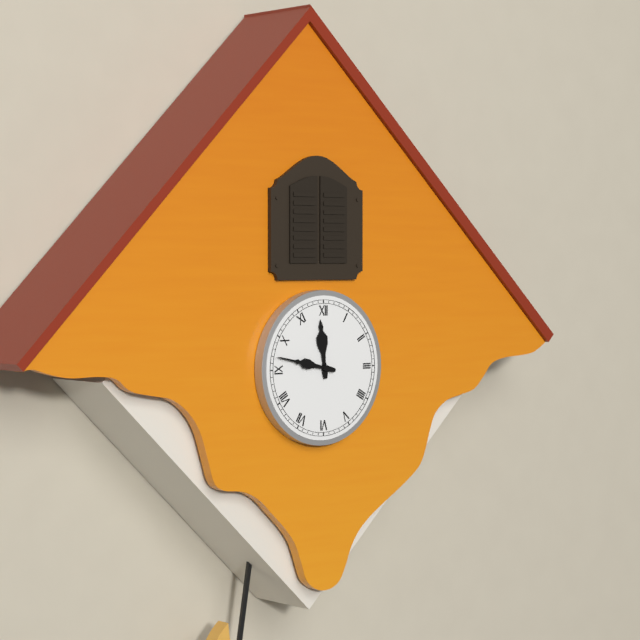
11 h 47 min
